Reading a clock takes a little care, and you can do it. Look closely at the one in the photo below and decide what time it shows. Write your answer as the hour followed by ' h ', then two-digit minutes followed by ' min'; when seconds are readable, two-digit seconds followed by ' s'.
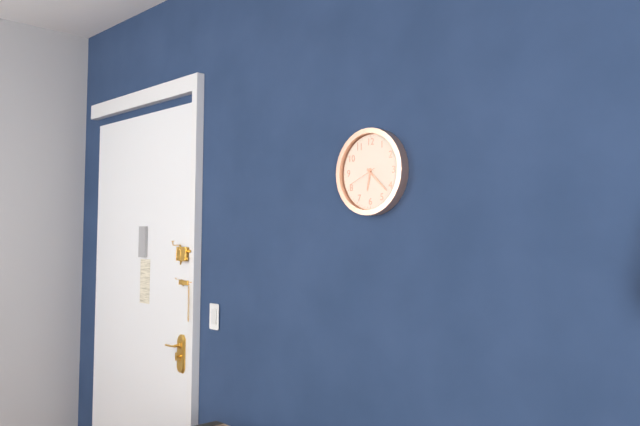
6 h 22 min
